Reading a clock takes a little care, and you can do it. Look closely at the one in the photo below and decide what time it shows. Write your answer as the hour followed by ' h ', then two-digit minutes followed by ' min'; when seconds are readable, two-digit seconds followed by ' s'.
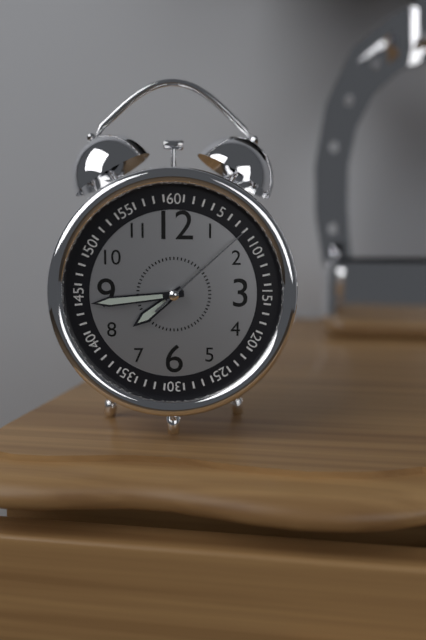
7 h 44 min 08 s
